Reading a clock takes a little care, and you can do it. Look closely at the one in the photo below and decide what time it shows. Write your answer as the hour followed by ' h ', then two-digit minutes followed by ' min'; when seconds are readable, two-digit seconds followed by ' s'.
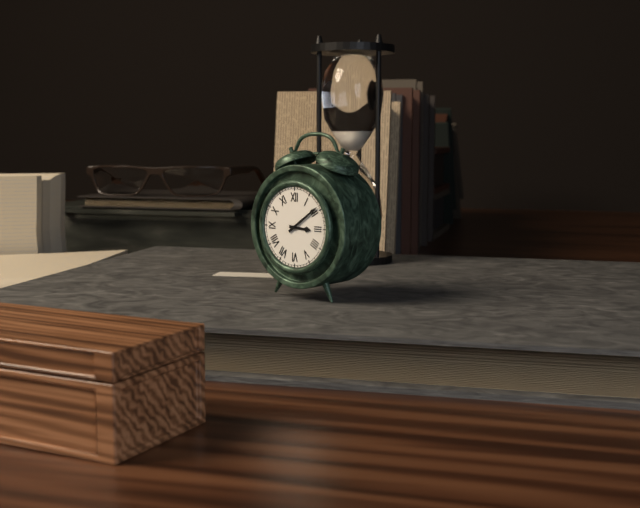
3 h 09 min
